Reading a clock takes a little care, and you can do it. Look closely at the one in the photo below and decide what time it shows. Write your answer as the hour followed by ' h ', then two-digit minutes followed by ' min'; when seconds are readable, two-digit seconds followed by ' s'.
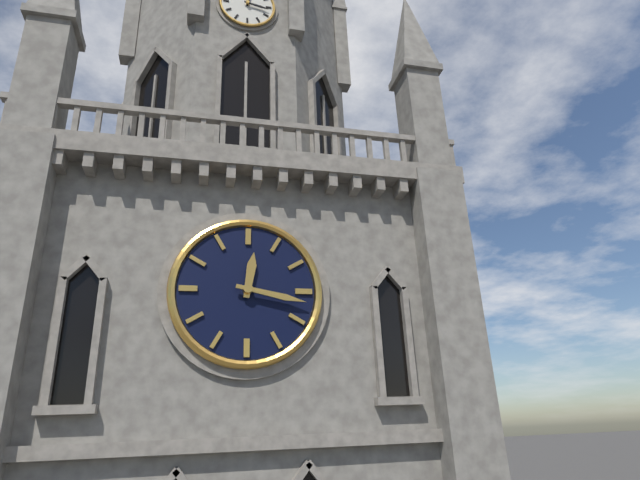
12 h 17 min
